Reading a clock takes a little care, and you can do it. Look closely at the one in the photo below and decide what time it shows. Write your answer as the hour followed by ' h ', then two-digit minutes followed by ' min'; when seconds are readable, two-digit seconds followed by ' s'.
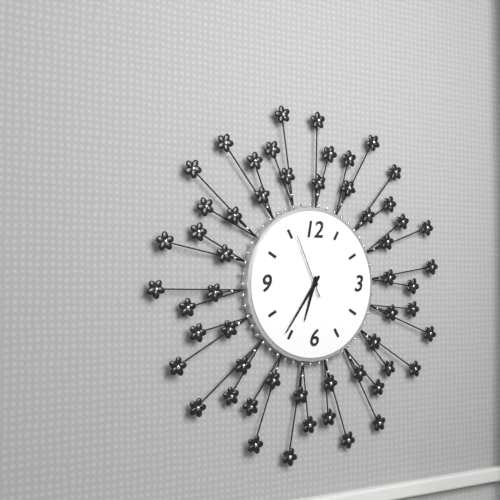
6 h 36 min 56 s
